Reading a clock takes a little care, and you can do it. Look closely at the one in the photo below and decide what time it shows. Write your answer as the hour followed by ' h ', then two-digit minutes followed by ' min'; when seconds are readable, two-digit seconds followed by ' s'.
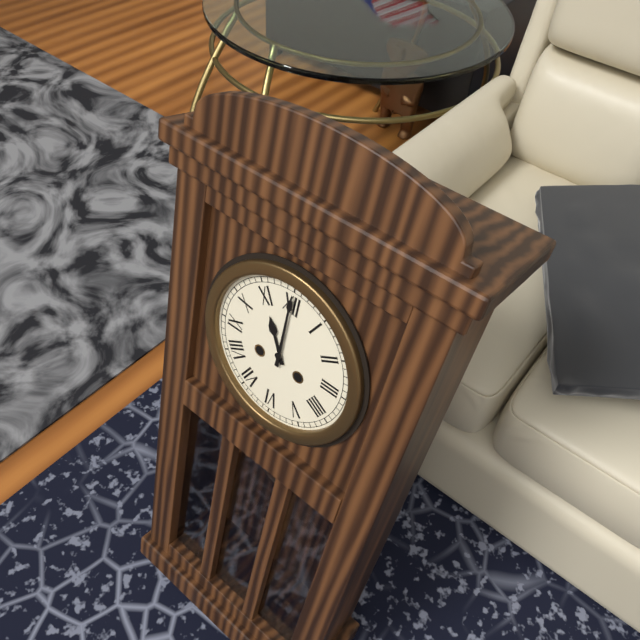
11 h 00 min
